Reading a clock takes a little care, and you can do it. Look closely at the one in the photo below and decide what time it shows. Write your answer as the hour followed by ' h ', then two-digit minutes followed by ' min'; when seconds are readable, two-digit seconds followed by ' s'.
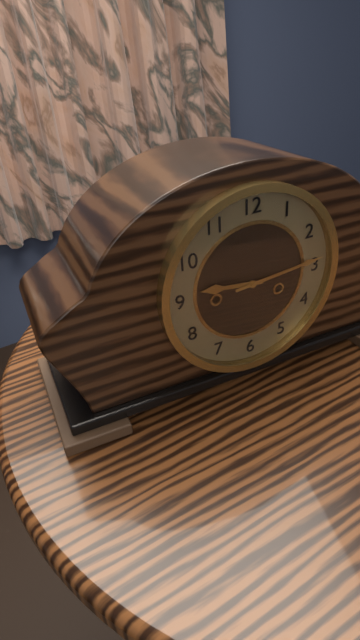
9 h 14 min
